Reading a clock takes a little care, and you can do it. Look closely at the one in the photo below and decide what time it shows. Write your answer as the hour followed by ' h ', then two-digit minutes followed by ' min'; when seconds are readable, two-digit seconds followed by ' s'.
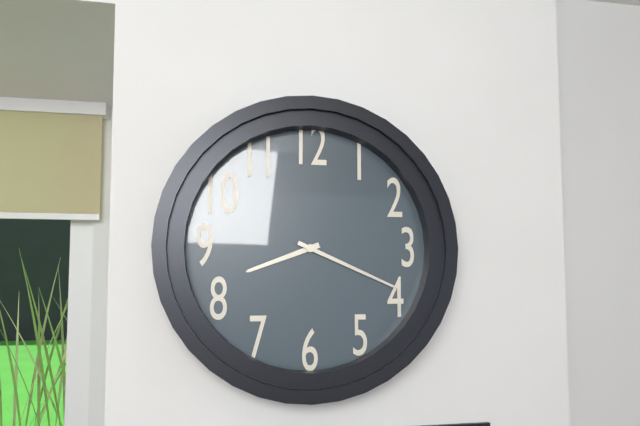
8 h 19 min
